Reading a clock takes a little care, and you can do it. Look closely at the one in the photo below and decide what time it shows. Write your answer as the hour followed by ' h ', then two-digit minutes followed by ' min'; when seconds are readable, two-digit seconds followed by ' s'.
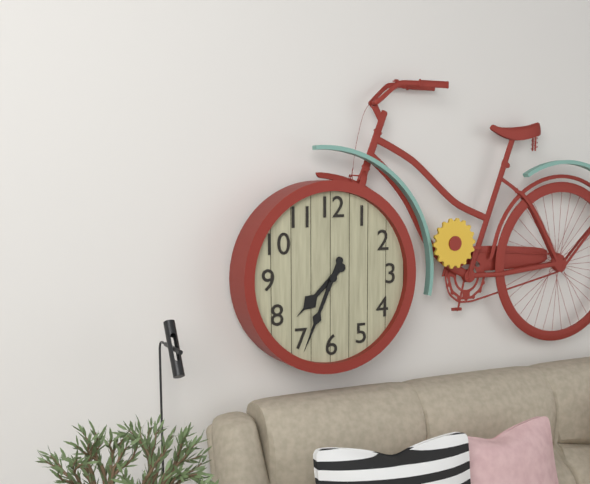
7 h 34 min
